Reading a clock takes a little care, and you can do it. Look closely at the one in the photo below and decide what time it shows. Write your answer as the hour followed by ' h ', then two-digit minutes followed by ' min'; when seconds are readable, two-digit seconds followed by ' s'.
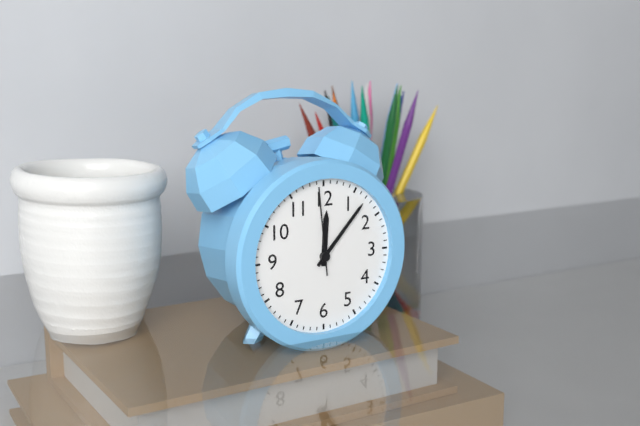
12 h 07 min 59 s
